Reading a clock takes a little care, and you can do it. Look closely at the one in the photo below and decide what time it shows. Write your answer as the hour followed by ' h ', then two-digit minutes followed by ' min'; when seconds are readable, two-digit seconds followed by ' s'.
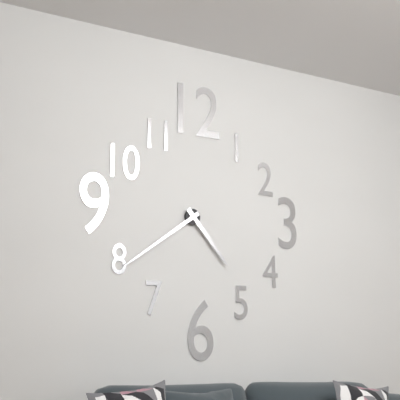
4 h 39 min
